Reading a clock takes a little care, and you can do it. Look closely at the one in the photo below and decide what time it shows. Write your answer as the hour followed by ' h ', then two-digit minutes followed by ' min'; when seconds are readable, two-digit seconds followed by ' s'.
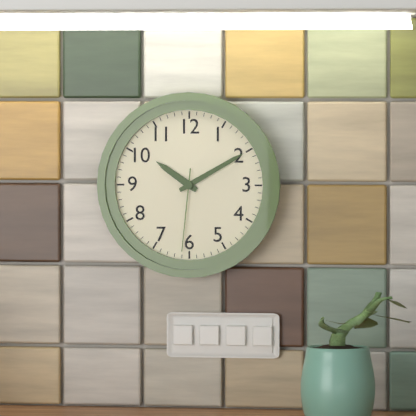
10 h 10 min 31 s
